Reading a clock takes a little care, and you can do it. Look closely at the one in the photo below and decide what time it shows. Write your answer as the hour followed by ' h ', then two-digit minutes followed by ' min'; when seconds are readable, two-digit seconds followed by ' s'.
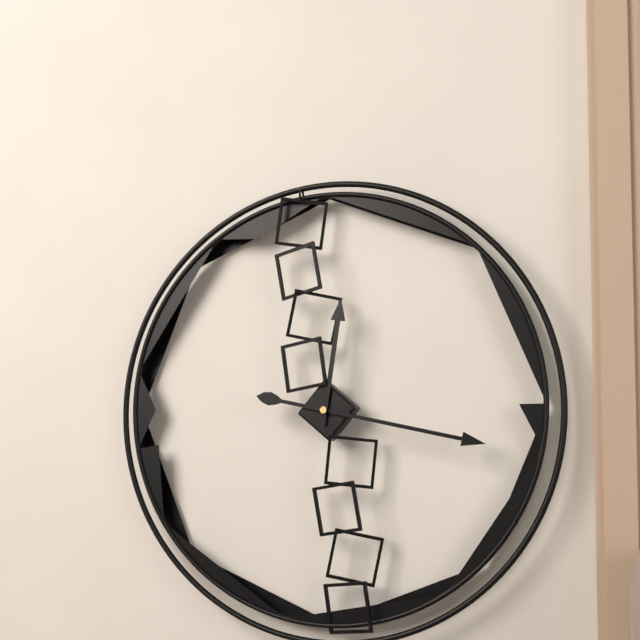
12 h 17 min
